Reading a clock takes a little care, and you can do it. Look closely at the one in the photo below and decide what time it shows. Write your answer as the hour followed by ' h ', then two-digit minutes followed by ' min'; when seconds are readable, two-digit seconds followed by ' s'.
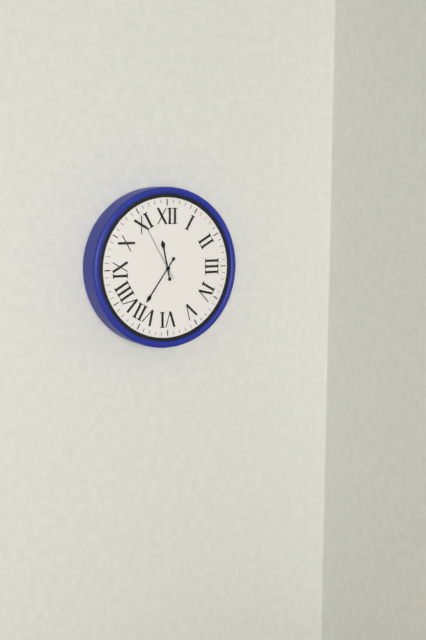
11 h 36 min 55 s
